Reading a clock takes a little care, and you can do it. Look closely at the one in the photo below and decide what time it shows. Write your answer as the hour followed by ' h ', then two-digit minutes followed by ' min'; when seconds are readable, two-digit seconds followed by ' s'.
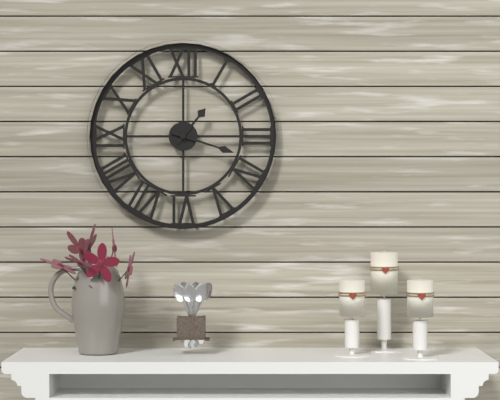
1 h 18 min
